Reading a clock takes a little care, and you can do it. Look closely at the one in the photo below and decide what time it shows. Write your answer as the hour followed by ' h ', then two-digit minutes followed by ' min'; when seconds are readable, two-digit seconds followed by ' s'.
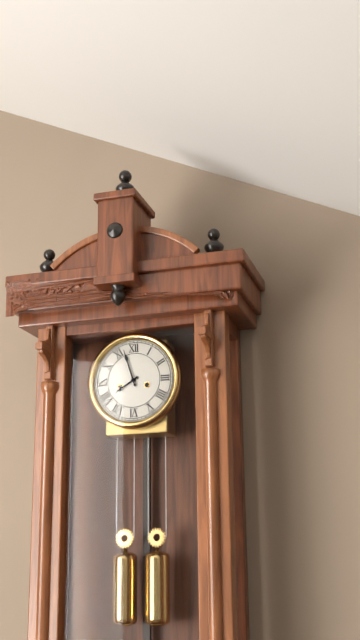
7 h 57 min
